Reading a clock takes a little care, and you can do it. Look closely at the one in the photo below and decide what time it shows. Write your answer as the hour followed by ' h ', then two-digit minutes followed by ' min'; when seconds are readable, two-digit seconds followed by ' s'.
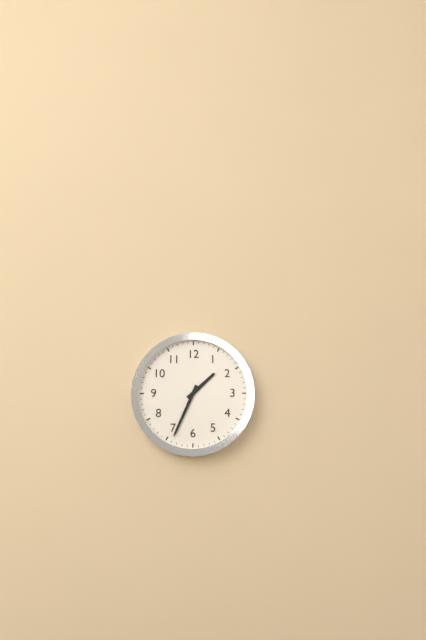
1 h 34 min
